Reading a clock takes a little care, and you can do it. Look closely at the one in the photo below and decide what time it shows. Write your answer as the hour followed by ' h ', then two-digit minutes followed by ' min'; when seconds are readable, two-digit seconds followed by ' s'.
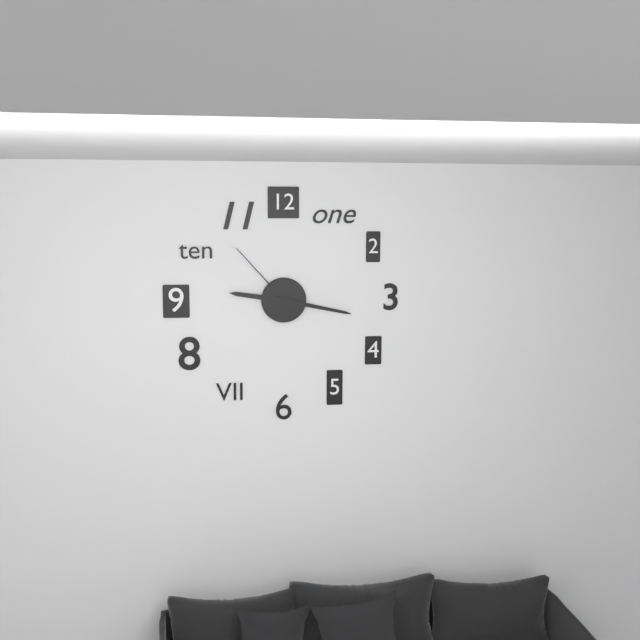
9 h 17 min 53 s
